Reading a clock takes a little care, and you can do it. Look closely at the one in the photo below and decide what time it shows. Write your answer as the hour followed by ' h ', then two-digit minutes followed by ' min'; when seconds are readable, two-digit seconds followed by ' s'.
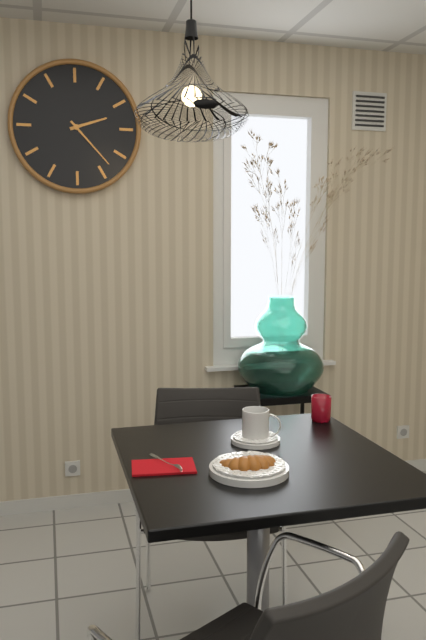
2 h 23 min
